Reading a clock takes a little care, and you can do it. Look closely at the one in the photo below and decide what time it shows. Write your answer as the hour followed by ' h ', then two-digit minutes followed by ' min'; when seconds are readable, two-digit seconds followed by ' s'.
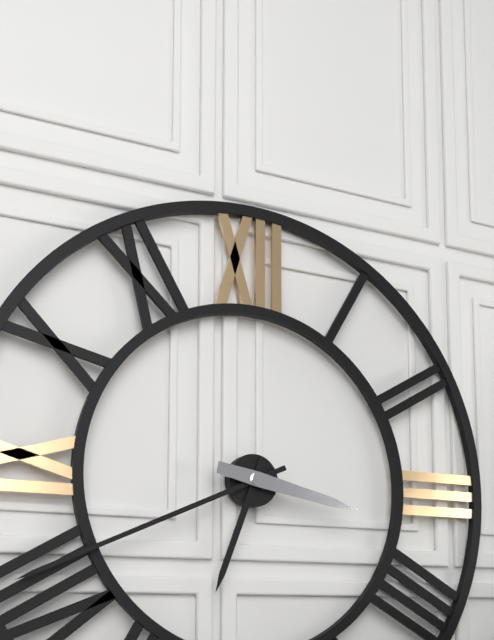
6 h 41 min 17 s
